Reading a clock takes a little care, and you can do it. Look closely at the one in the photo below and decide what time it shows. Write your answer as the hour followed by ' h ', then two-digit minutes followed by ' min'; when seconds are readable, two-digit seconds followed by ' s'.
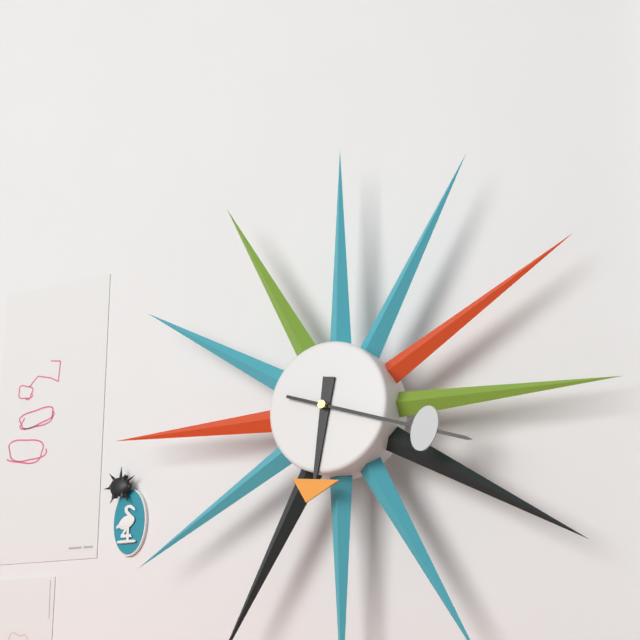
6 h 18 min
